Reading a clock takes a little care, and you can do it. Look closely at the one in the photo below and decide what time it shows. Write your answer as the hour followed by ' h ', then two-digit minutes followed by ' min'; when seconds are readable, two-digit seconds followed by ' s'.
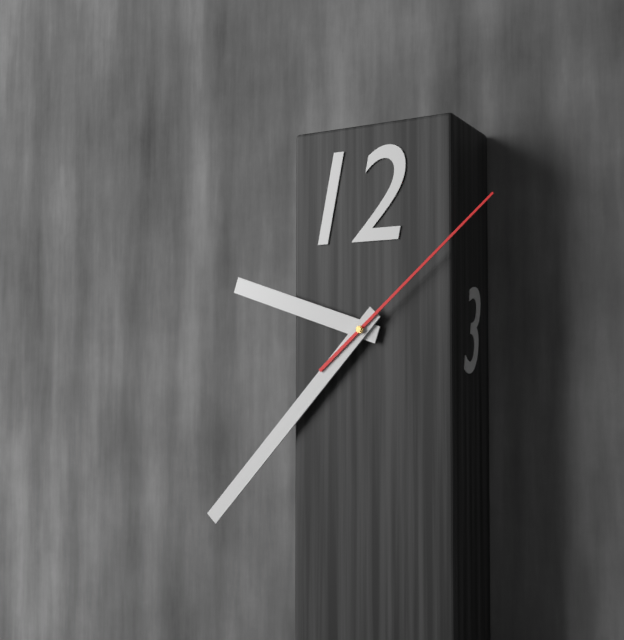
9 h 37 min 08 s
